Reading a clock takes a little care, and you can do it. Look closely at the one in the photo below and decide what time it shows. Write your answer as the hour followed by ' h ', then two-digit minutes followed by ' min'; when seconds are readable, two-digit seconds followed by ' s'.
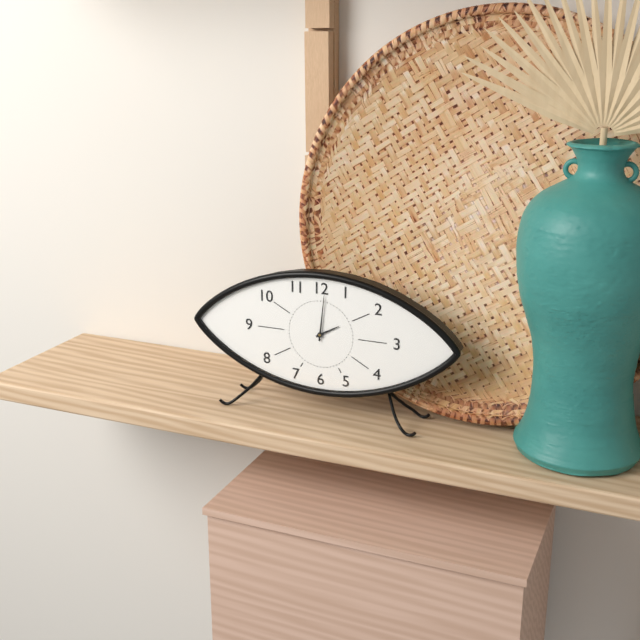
2 h 01 min
